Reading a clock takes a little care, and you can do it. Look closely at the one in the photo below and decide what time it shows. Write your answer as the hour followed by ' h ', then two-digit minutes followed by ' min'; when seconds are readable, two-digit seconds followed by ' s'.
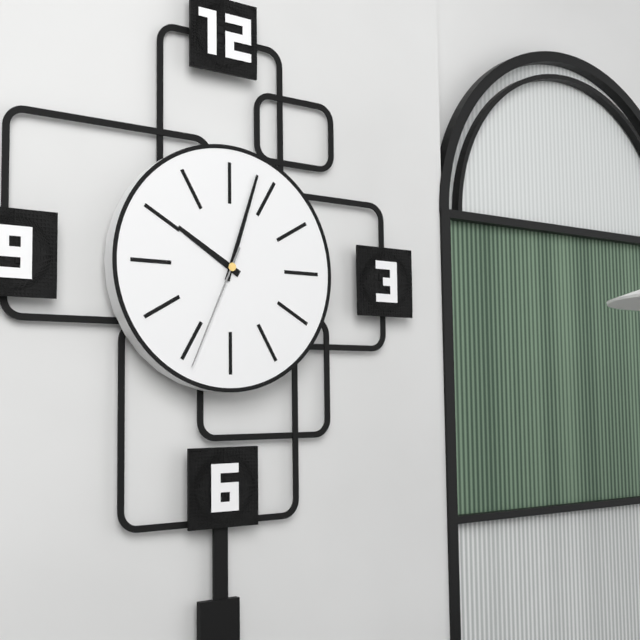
10 h 03 min 34 s
